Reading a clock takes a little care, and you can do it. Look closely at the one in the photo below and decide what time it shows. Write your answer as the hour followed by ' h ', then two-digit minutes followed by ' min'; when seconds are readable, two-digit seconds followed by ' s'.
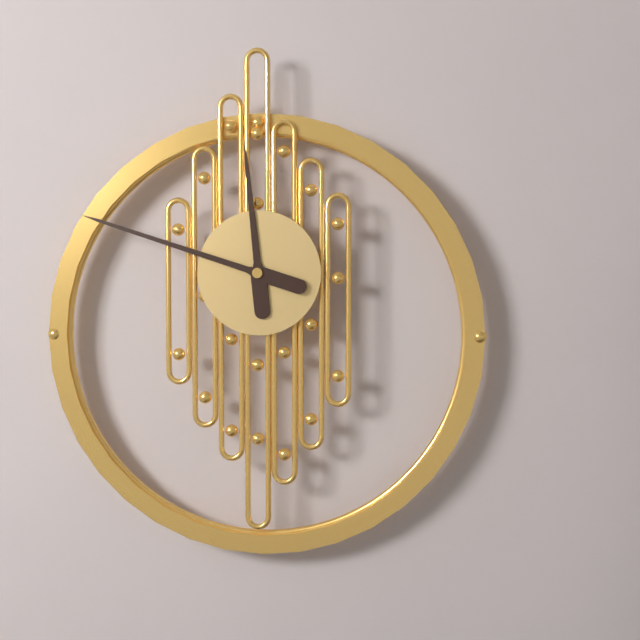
11 h 48 min
